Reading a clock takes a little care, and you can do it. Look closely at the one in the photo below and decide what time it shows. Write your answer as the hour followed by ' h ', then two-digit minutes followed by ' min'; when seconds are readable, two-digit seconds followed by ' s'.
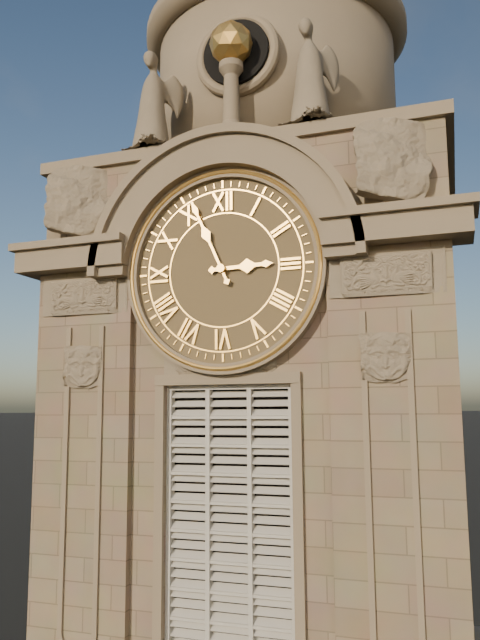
2 h 56 min
